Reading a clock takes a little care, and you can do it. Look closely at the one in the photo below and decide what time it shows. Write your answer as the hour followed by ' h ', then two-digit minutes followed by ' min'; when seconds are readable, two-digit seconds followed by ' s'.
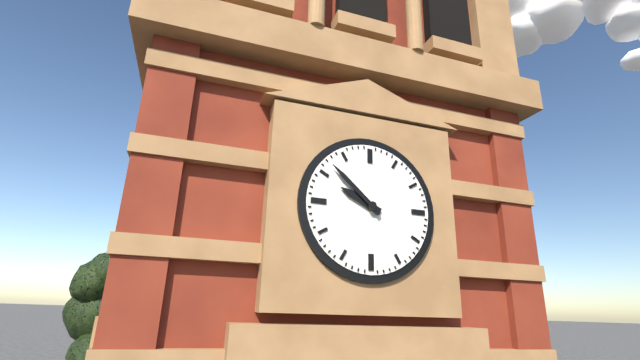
9 h 52 min
